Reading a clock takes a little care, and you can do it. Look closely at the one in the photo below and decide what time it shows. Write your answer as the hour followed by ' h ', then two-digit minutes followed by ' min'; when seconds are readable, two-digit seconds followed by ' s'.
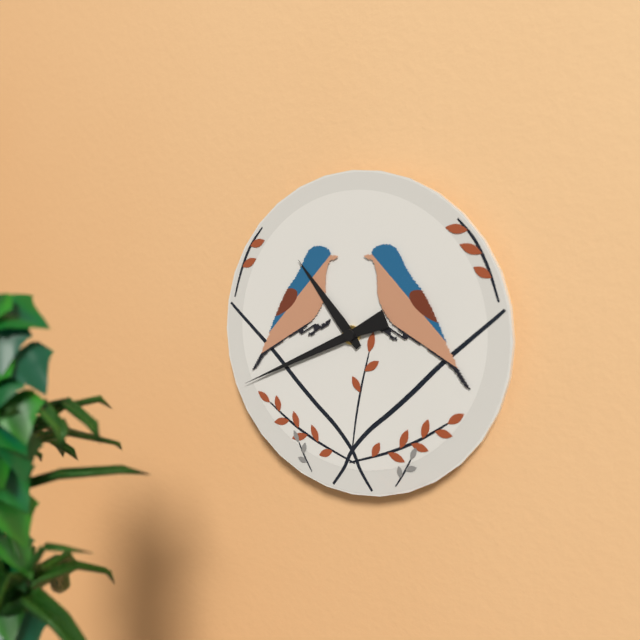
10 h 41 min
